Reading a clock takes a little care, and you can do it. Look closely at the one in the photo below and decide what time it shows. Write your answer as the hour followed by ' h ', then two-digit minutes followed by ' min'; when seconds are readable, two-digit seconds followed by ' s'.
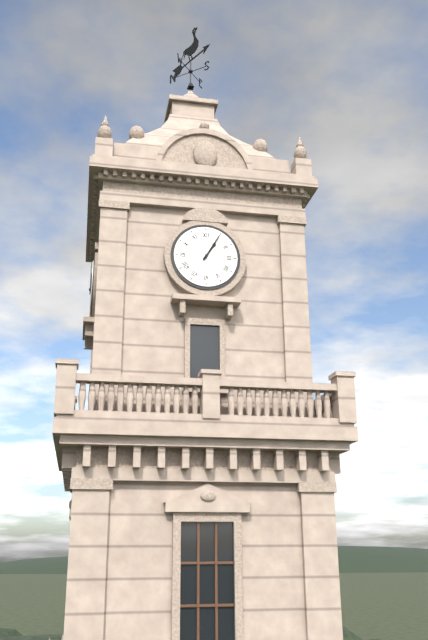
1 h 05 min
